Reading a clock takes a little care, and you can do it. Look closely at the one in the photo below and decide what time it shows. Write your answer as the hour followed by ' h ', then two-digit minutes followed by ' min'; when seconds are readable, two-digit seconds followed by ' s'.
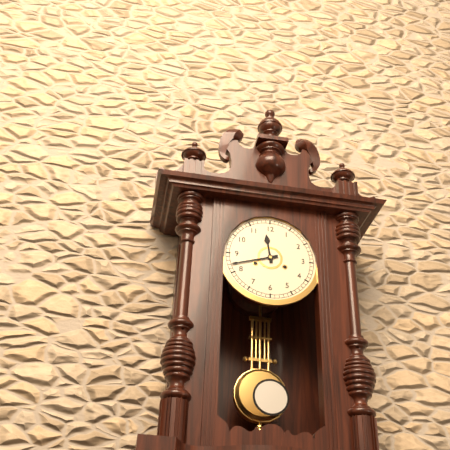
11 h 42 min
